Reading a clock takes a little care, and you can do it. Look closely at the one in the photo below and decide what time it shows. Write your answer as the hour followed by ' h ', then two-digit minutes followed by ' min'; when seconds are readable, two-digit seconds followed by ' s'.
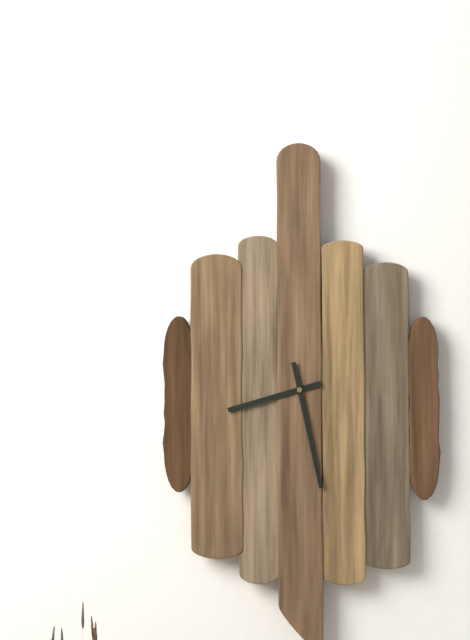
8 h 28 min
